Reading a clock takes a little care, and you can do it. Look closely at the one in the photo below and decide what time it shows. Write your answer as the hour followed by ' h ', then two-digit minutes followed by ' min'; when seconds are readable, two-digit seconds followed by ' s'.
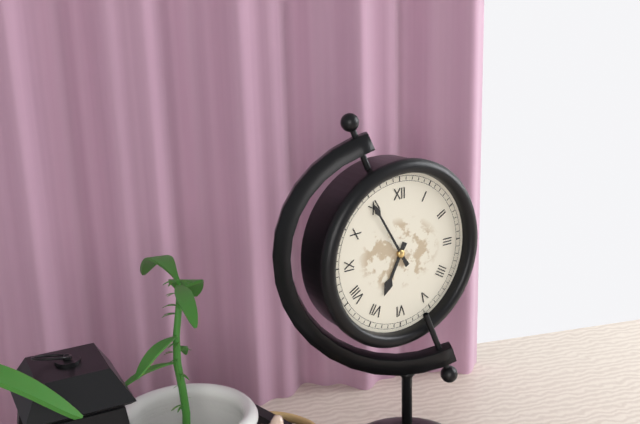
6 h 55 min
